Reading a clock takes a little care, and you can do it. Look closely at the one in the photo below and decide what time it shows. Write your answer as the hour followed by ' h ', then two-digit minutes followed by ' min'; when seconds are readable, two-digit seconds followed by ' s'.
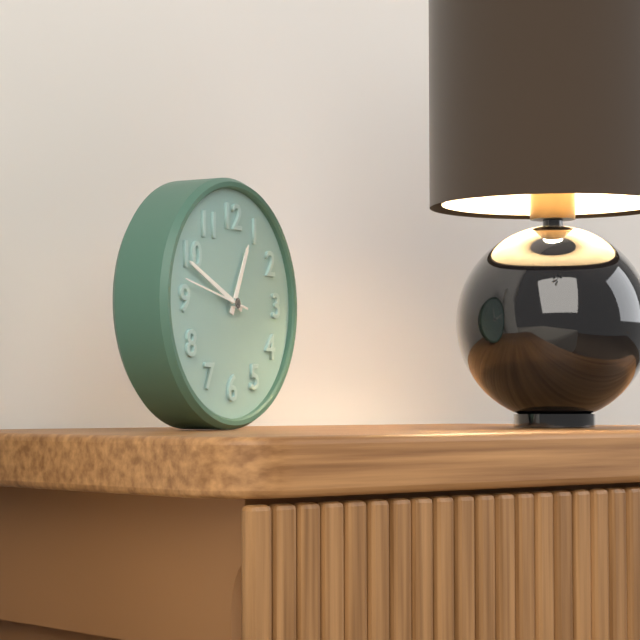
12 h 49 min 47 s
